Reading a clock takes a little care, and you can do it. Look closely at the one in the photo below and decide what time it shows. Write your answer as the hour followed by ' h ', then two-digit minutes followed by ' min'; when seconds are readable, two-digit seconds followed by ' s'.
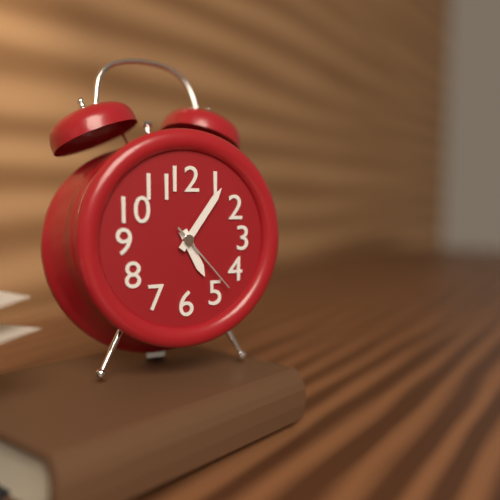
5 h 06 min 23 s
